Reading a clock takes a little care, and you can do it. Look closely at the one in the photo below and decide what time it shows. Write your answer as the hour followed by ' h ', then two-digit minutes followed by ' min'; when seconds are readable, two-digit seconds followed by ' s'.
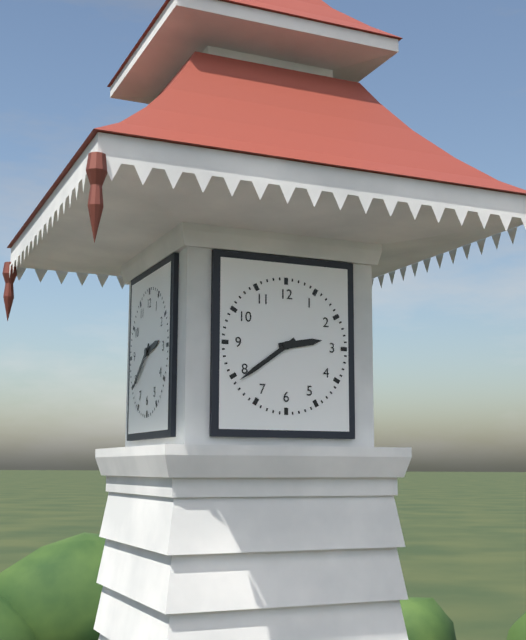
2 h 39 min
